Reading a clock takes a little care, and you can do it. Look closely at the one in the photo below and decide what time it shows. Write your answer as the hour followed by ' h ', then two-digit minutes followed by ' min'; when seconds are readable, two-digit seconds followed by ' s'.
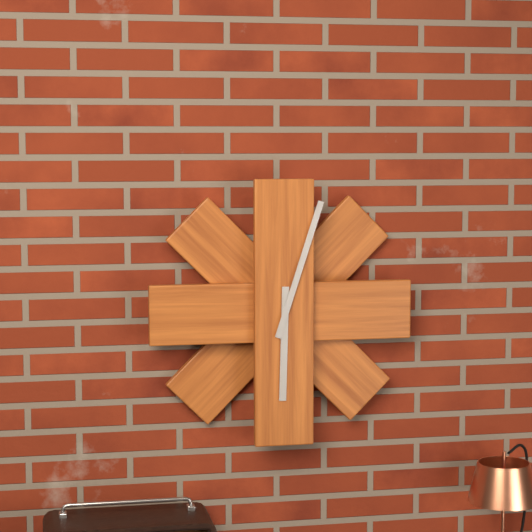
6 h 03 min
